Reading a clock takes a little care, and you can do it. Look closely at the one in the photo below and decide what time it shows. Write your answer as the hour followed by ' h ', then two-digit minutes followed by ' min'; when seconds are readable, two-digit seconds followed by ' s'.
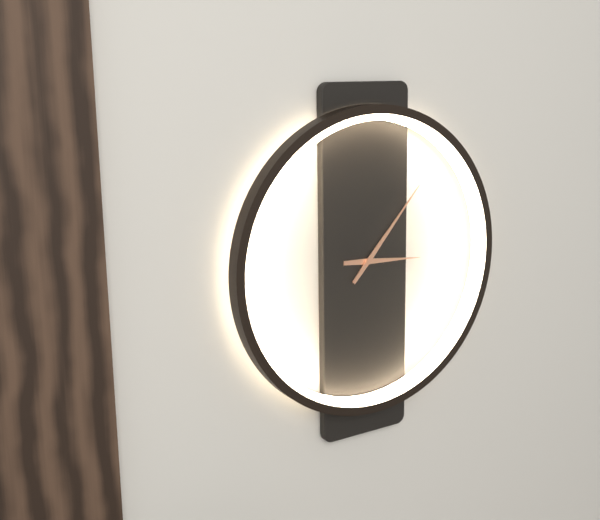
3 h 07 min
